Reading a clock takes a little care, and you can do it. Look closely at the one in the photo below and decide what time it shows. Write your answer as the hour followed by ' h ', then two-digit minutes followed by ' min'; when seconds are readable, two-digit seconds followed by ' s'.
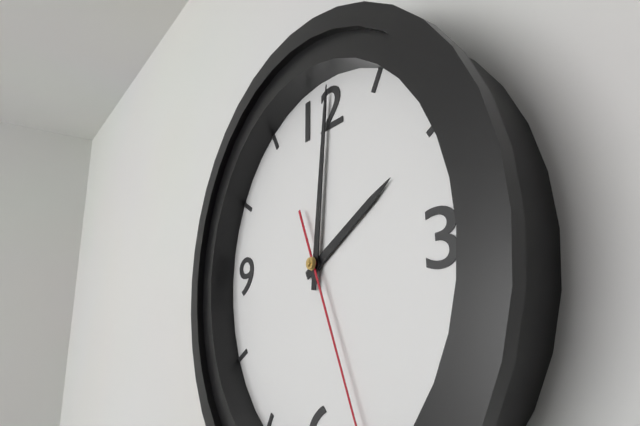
2 h 01 min
